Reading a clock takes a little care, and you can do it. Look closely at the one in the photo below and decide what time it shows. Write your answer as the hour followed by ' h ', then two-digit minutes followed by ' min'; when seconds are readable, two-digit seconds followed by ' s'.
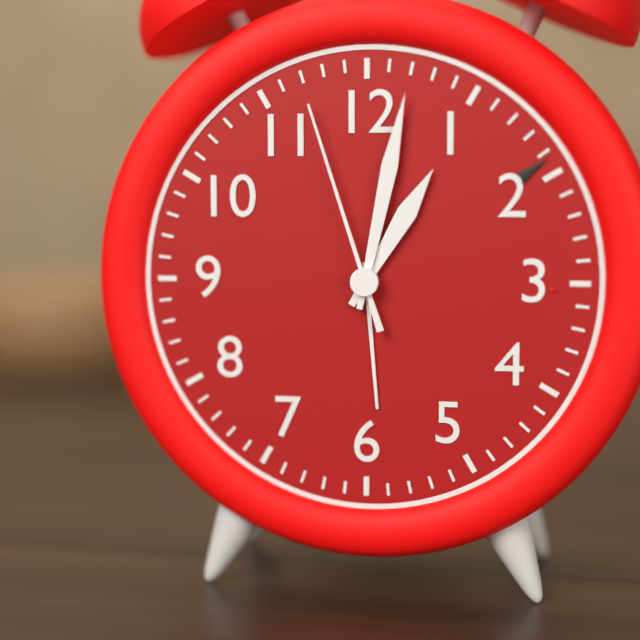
1 h 02 min 57 s
